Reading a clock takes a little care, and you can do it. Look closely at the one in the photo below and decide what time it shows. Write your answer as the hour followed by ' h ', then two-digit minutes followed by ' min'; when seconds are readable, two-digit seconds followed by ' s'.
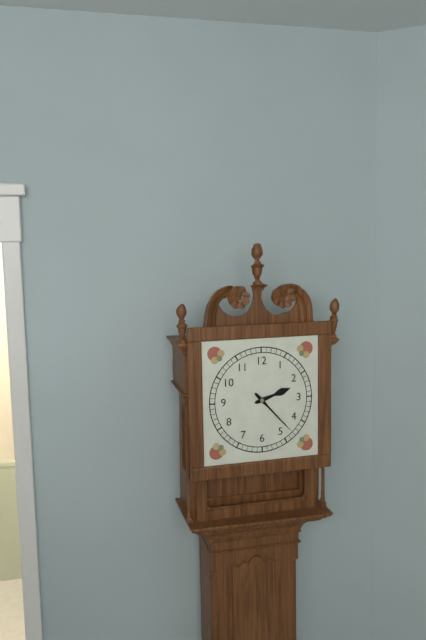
2 h 23 min
